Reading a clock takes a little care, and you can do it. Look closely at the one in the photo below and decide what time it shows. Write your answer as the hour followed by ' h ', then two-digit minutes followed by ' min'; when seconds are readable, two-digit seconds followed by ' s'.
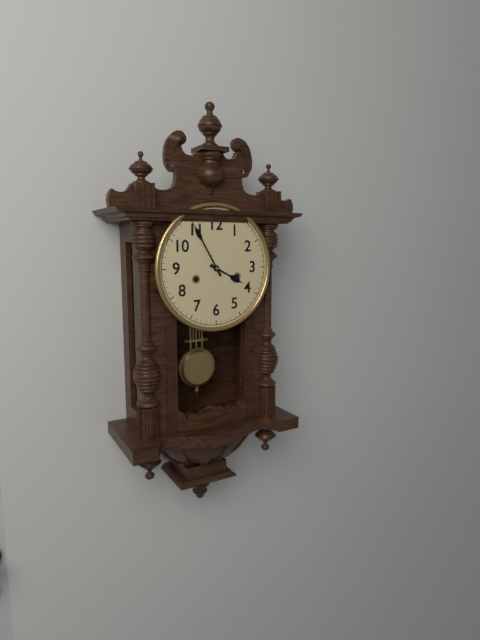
3 h 55 min
